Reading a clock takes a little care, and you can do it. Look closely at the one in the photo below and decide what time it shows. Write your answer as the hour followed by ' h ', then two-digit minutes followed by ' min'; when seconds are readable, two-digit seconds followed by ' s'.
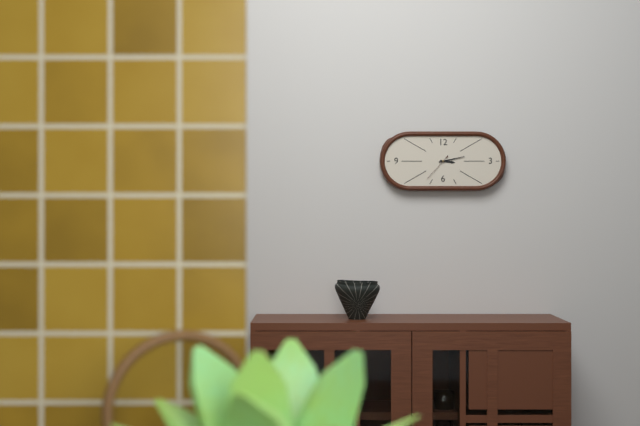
3 h 13 min
